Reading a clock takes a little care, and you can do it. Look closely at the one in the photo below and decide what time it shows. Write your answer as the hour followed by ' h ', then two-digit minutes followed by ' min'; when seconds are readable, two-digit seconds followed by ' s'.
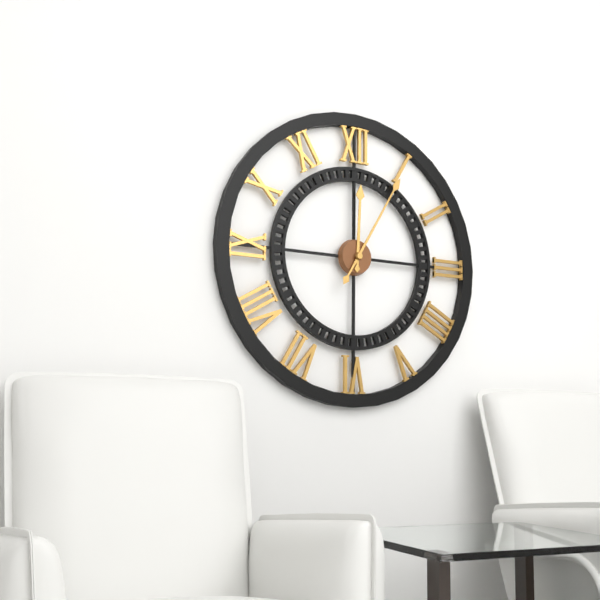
12 h 05 min
